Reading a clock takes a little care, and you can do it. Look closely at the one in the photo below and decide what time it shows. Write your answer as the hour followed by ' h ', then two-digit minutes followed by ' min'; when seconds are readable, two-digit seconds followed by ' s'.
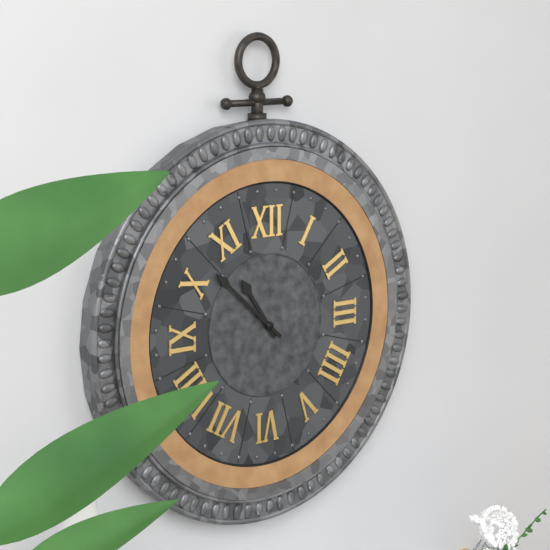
10 h 52 min
